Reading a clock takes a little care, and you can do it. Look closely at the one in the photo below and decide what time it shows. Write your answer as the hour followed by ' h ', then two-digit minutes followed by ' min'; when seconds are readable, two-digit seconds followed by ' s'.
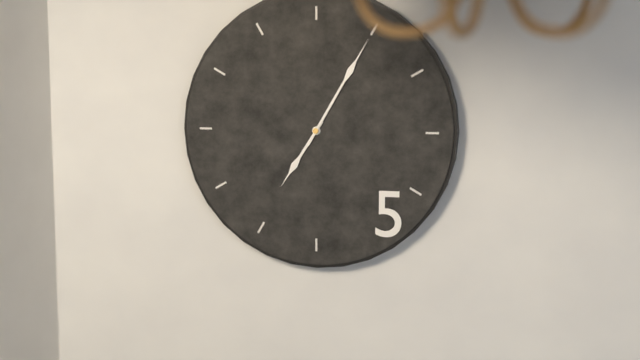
7 h 05 min
